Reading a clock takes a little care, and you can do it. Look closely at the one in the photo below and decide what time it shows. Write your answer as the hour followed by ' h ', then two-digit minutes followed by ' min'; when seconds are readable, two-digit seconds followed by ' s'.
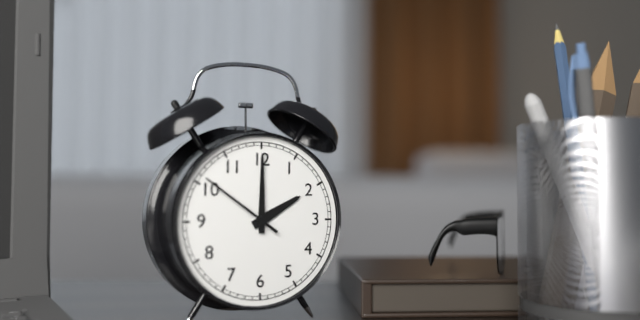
2 h 00 min 51 s
